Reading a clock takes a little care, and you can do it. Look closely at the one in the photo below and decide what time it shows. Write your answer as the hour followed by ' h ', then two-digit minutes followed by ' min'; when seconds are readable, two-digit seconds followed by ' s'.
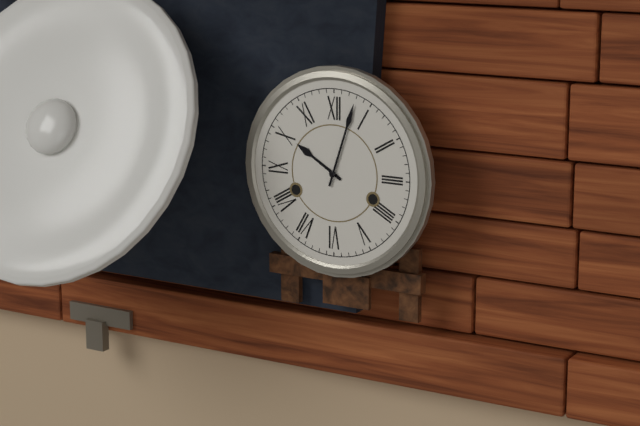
10 h 03 min
